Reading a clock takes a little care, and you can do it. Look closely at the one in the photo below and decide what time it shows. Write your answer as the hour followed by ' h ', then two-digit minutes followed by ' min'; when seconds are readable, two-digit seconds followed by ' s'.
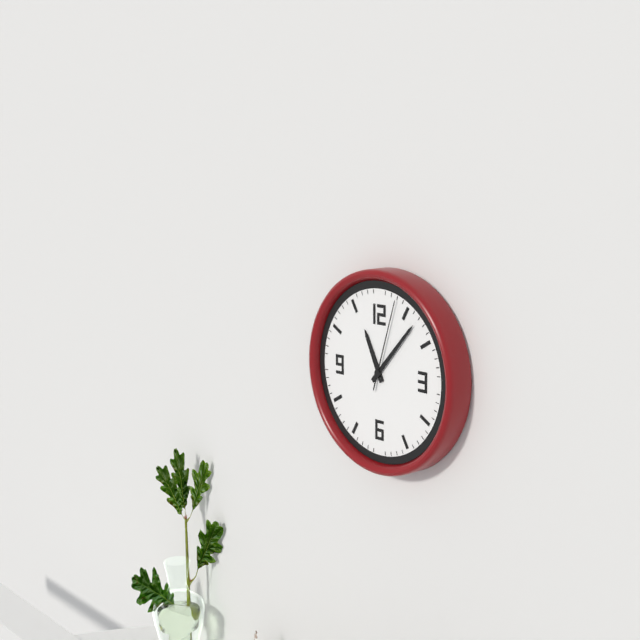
11 h 07 min 03 s
